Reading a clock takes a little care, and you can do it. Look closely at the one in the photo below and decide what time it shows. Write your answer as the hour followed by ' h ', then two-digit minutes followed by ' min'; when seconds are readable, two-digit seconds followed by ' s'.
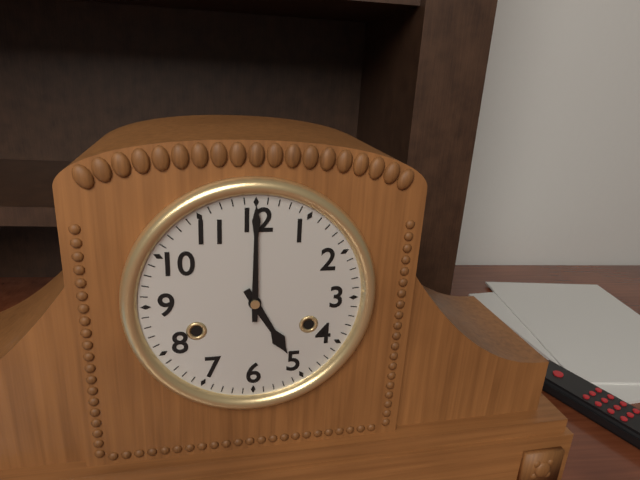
5 h 00 min
